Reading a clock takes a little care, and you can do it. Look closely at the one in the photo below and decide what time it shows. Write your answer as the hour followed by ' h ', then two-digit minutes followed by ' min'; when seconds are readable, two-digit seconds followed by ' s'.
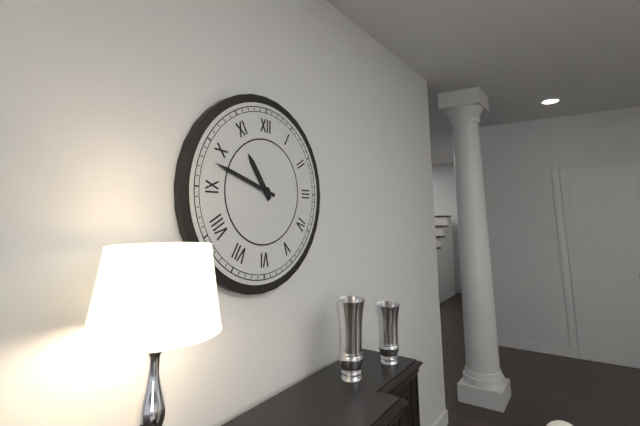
10 h 48 min
